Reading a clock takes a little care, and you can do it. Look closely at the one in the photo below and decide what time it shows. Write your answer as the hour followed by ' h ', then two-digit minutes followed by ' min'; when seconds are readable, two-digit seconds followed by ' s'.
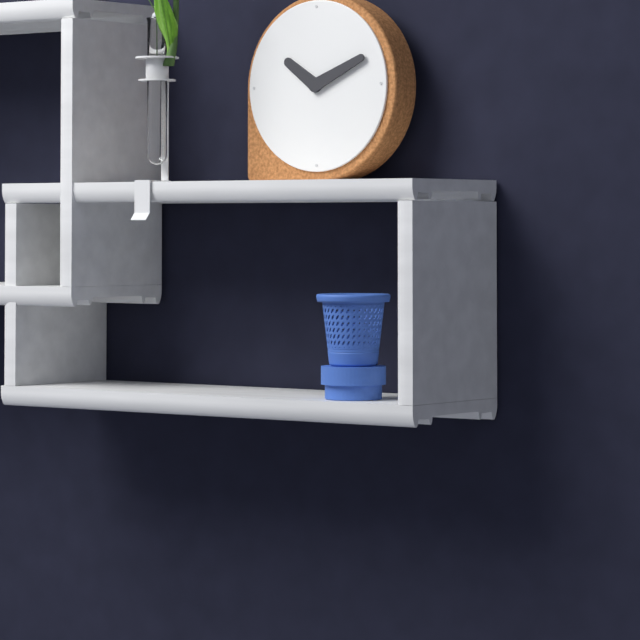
10 h 11 min
